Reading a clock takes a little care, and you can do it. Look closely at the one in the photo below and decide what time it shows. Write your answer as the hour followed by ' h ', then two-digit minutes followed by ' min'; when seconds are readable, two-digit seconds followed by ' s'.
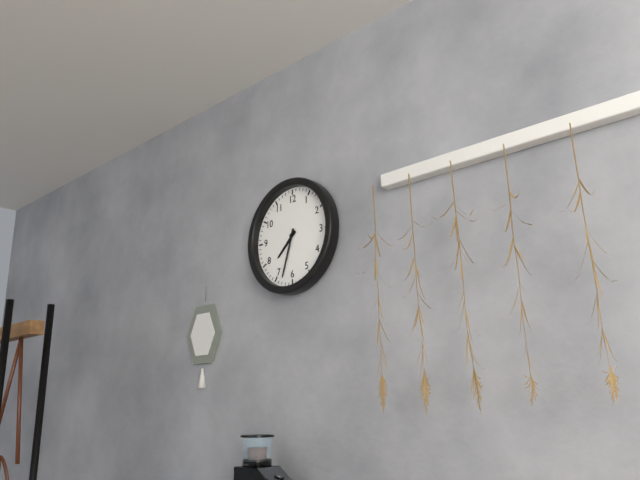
7 h 33 min
